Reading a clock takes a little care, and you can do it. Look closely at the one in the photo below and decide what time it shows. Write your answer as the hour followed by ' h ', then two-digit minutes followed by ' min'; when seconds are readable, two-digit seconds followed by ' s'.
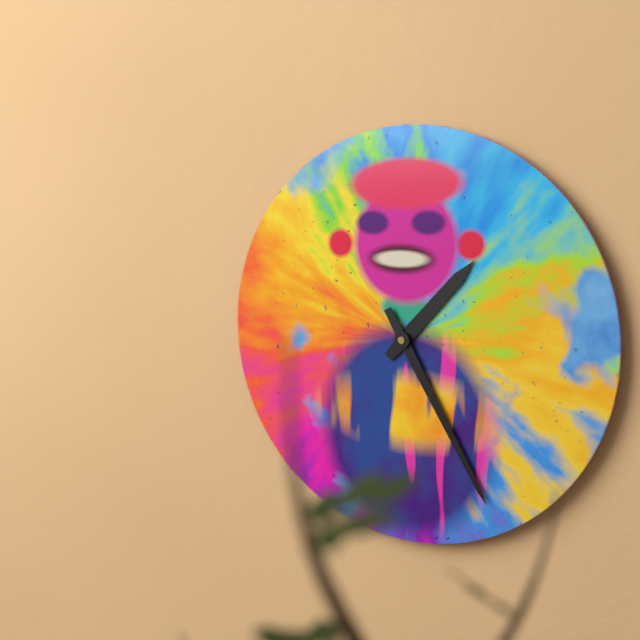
1 h 25 min
